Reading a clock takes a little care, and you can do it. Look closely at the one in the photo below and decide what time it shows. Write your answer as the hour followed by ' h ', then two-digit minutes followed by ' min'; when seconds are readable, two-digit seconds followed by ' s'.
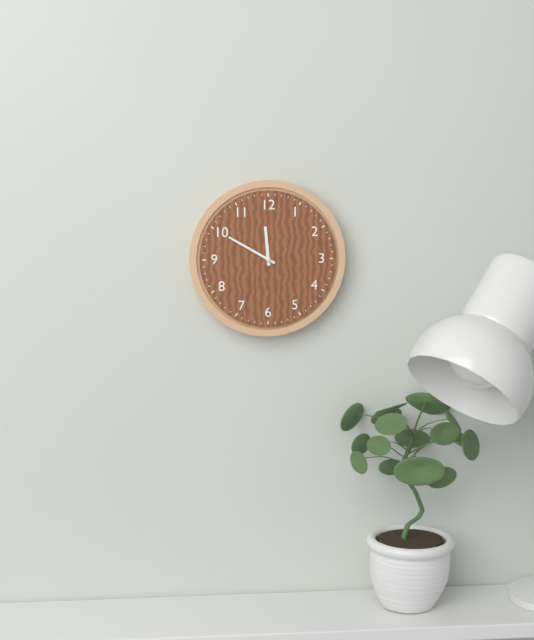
11 h 50 min
